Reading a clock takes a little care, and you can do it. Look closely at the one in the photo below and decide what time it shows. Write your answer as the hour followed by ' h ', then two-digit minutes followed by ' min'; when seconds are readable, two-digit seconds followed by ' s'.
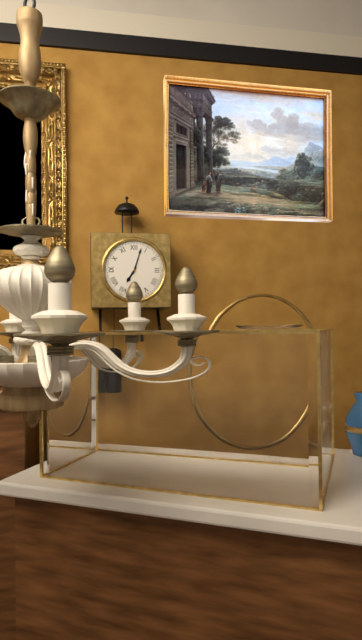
7 h 03 min
